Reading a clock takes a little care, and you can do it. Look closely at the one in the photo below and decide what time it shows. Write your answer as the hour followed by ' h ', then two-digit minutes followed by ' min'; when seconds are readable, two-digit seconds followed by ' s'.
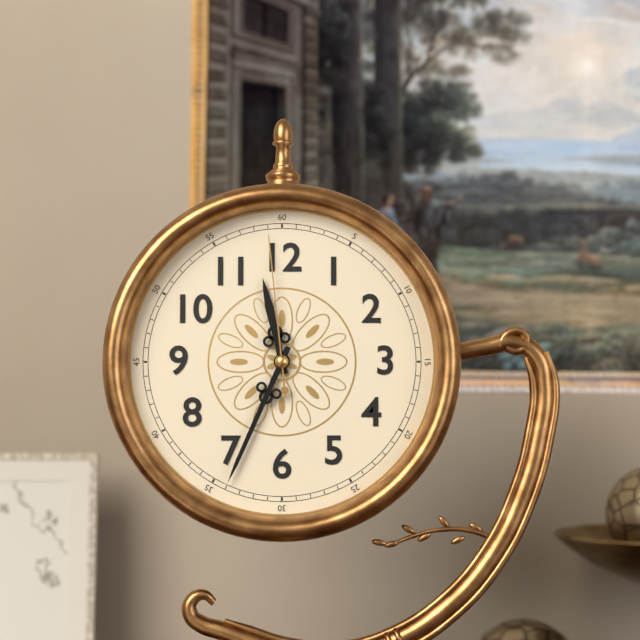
11 h 34 min 59 s
